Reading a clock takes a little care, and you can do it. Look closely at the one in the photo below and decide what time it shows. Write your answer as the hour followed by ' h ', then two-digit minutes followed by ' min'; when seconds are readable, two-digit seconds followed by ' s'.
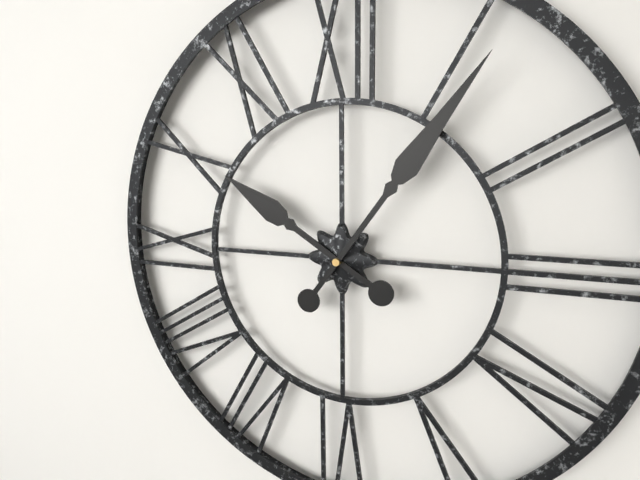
10 h 06 min
